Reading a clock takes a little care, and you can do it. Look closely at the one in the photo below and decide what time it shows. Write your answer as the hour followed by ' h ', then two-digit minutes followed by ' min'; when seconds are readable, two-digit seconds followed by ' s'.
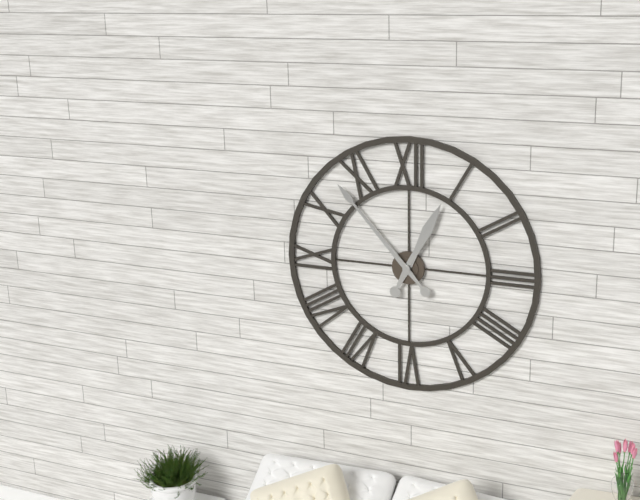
12 h 53 min
